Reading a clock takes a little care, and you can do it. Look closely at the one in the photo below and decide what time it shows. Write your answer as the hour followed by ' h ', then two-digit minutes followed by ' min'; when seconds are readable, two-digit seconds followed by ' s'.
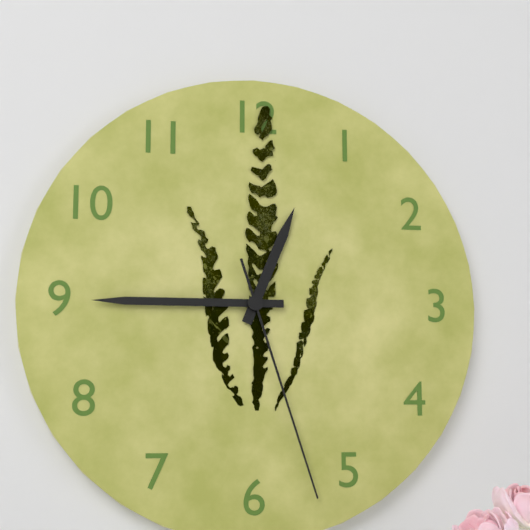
12 h 45 min 27 s
